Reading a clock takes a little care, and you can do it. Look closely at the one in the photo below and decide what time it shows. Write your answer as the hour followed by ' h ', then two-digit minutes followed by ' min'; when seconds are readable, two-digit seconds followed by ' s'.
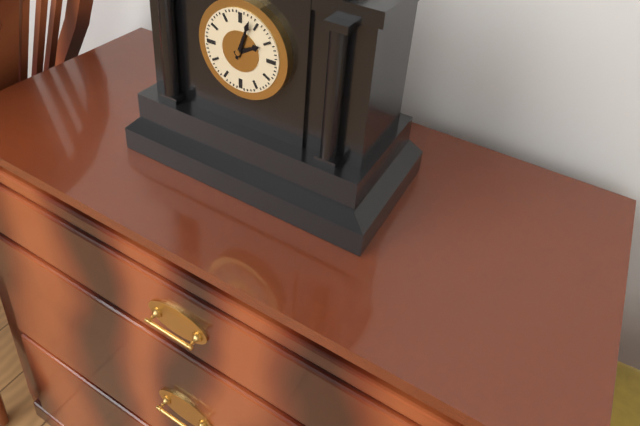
2 h 03 min
